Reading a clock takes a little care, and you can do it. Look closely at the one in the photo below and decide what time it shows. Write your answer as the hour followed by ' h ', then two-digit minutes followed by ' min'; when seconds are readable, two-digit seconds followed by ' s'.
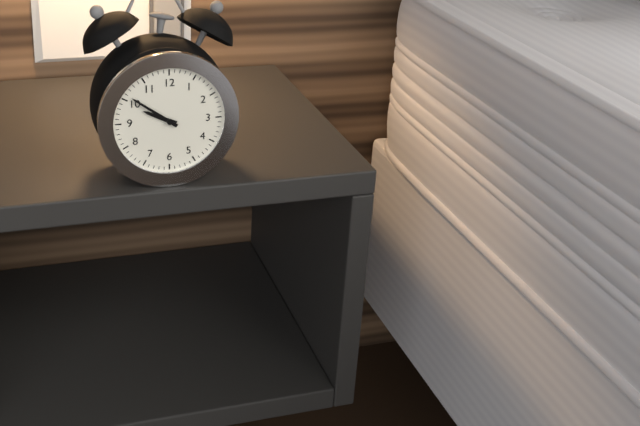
9 h 51 min
